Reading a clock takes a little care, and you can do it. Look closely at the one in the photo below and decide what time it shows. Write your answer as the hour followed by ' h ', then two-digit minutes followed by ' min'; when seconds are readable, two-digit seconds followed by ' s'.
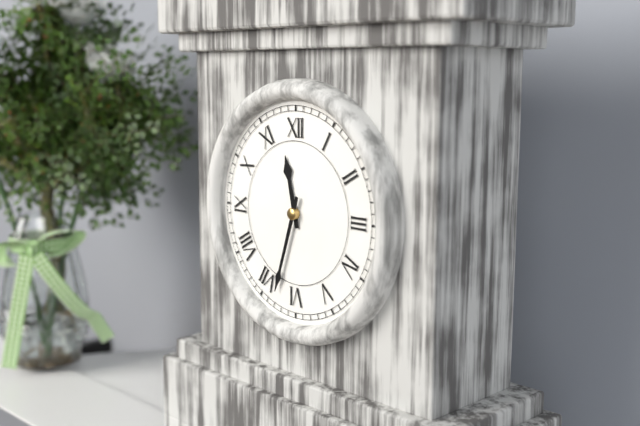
11 h 33 min
